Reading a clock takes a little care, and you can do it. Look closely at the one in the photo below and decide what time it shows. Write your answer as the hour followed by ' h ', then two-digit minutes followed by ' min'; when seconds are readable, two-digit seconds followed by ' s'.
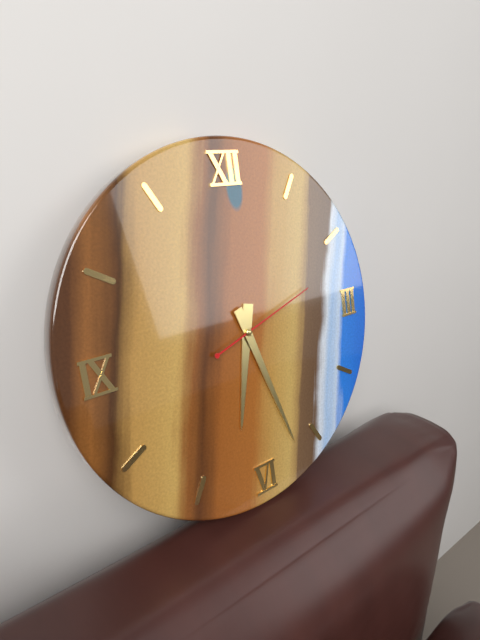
6 h 27 min 12 s
